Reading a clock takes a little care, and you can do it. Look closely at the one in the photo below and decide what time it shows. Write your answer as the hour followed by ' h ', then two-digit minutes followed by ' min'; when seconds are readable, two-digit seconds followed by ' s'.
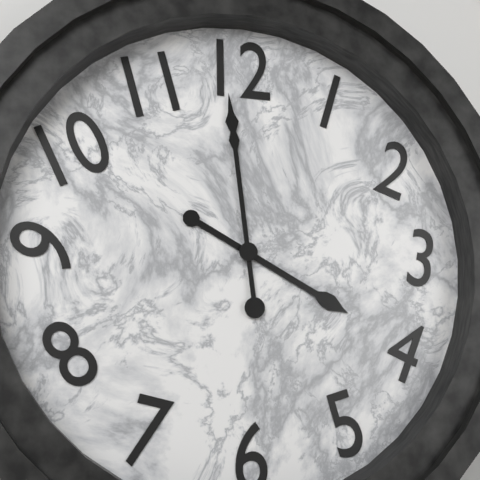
3 h 59 min
